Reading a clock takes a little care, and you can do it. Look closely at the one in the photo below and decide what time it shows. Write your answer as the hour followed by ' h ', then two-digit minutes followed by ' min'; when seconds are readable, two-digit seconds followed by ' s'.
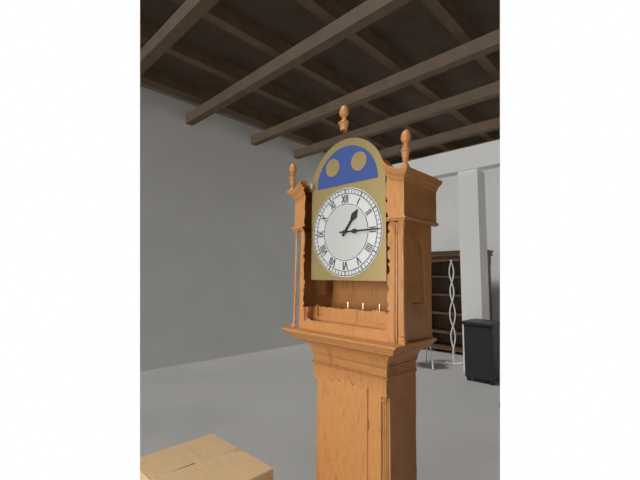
1 h 15 min
